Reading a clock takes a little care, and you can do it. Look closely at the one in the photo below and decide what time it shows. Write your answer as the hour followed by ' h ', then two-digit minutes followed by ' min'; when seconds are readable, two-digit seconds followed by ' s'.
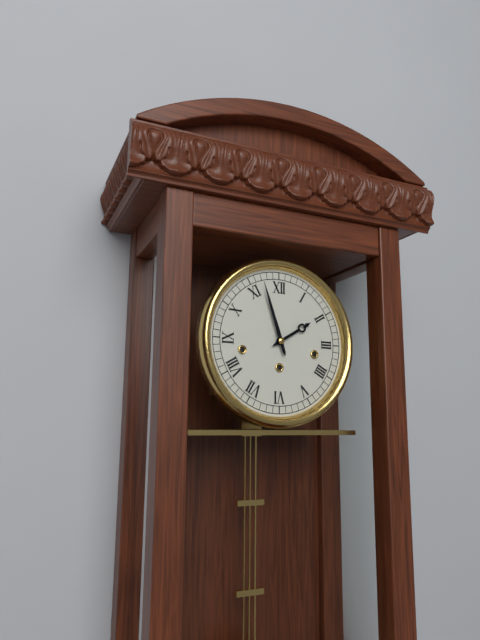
1 h 57 min
